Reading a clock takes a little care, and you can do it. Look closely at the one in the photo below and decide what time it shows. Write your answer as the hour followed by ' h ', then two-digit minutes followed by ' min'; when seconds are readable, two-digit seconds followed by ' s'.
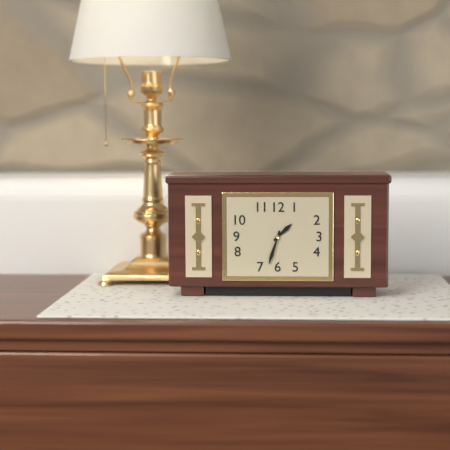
1 h 33 min
